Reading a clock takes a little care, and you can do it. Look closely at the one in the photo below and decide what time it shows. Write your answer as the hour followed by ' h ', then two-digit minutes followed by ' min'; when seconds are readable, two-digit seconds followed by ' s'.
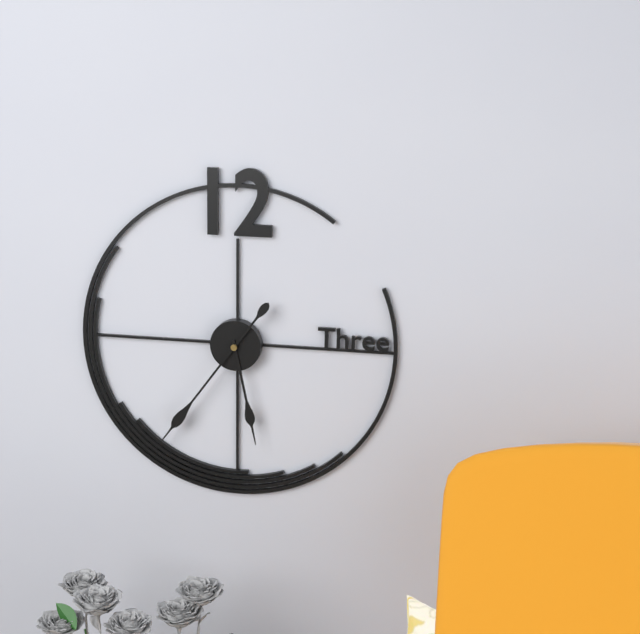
5 h 36 min
